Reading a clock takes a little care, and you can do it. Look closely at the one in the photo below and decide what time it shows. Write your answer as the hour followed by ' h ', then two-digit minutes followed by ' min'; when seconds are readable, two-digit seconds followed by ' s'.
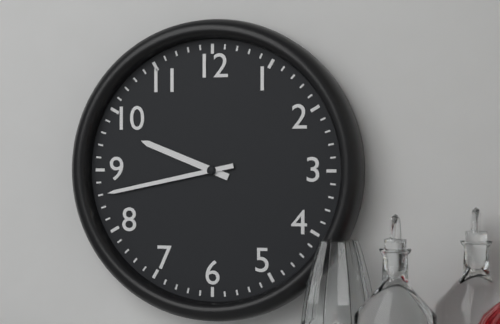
9 h 43 min
